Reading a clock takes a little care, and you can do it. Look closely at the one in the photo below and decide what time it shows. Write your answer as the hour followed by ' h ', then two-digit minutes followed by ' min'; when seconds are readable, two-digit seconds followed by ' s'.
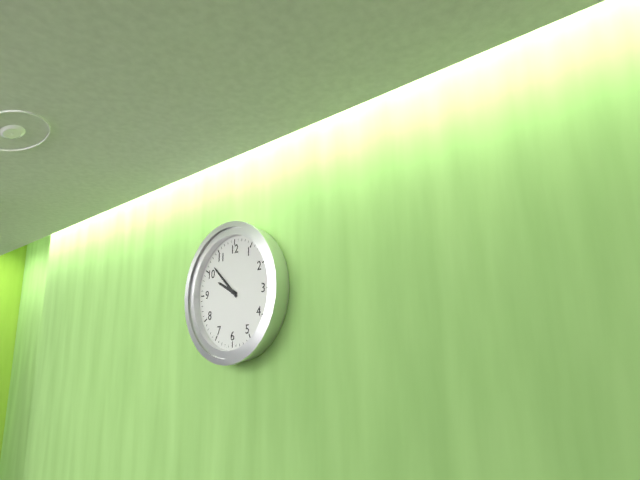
9 h 52 min
